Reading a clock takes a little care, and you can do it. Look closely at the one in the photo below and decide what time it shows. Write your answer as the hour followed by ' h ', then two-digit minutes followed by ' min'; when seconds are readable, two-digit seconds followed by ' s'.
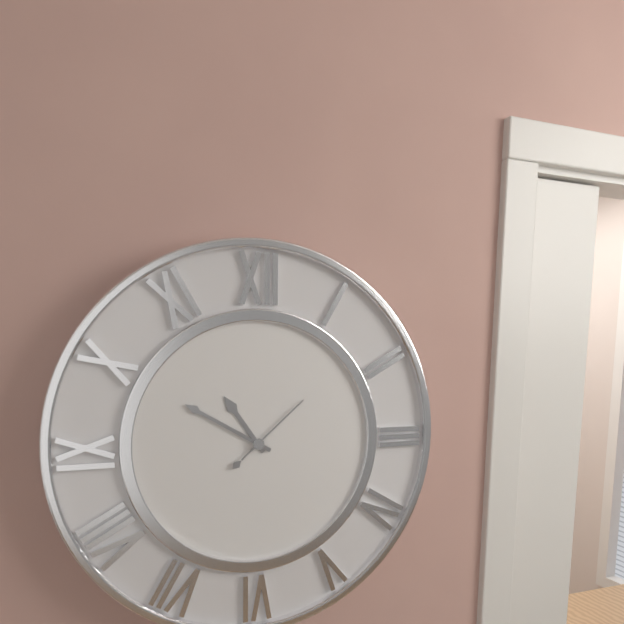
10 h 50 min 08 s
